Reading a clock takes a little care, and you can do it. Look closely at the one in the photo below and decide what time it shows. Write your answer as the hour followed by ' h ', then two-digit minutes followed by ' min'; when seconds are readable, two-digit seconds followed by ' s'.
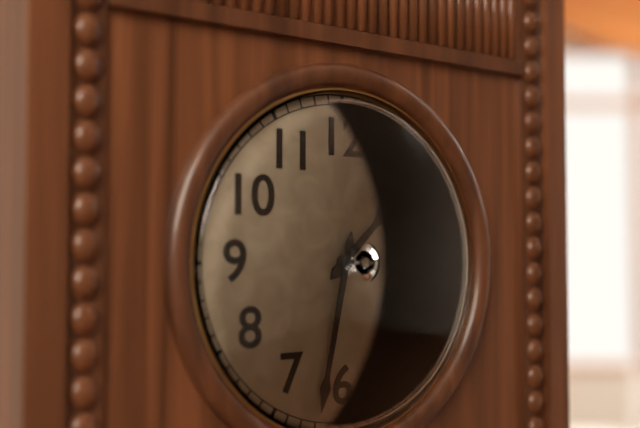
1 h 32 min
